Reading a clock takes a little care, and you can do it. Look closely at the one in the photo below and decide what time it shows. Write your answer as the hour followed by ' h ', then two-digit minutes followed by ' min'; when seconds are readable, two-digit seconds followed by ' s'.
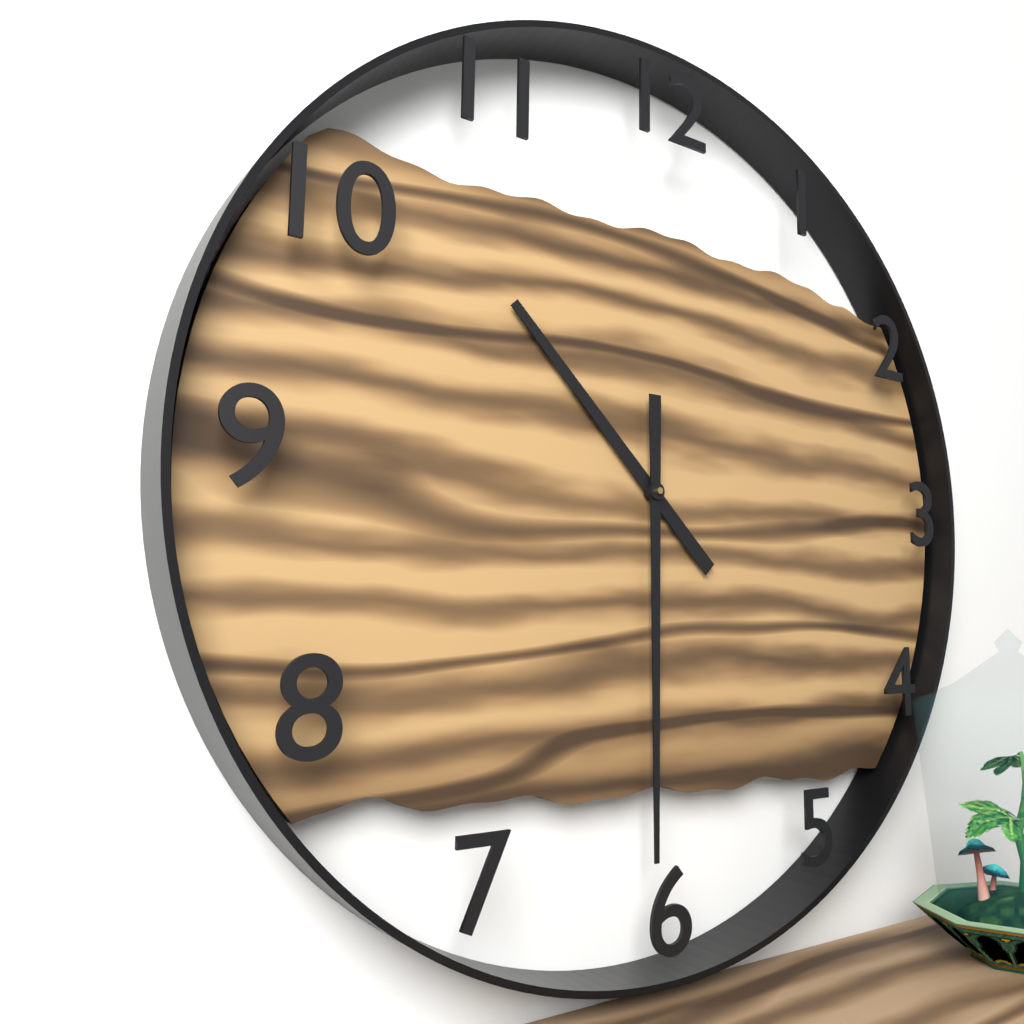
10 h 30 min
